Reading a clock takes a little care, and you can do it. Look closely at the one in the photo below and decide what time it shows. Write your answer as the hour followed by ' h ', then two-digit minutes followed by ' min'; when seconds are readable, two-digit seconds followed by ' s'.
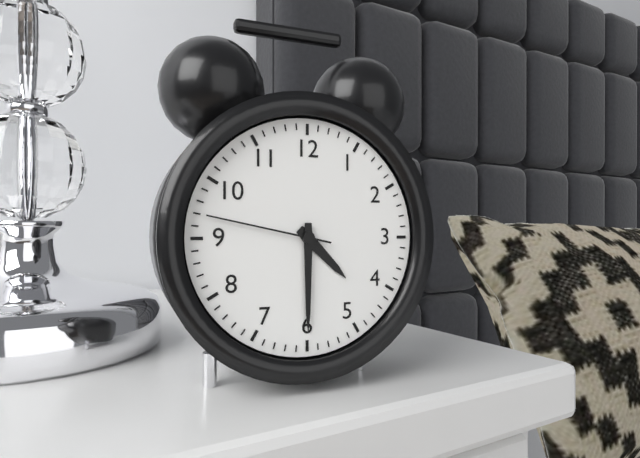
4 h 30 min 47 s
